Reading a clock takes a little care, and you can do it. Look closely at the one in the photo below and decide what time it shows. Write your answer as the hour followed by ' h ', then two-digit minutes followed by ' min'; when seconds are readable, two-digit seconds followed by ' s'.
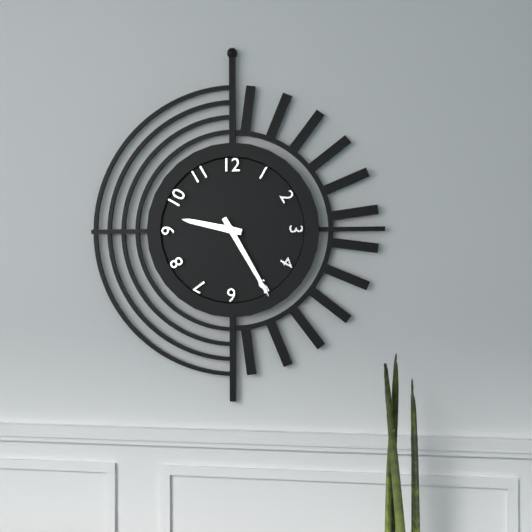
9 h 25 min
